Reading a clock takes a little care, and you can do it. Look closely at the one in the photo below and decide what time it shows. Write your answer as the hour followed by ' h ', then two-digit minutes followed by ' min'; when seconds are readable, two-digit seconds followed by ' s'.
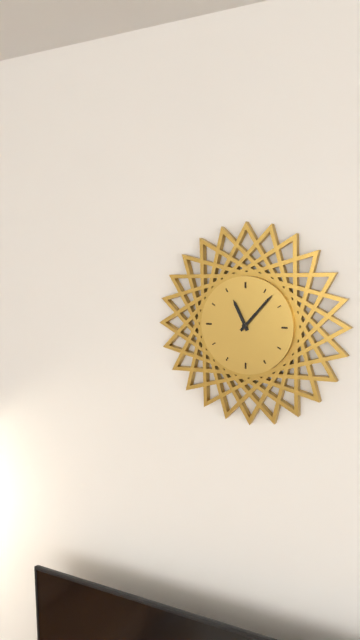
11 h 07 min
